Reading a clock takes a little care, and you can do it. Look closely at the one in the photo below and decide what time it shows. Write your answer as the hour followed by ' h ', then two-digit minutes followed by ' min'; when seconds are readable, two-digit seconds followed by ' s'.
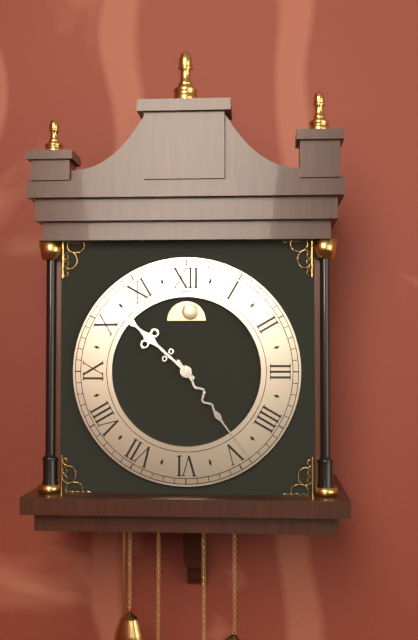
10 h 24 min
